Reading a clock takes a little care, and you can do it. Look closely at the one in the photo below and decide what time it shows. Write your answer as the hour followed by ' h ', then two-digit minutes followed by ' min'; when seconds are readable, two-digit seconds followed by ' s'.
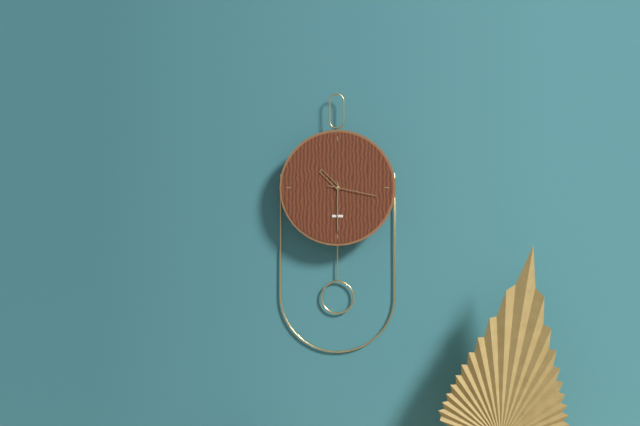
10 h 30 min 17 s
